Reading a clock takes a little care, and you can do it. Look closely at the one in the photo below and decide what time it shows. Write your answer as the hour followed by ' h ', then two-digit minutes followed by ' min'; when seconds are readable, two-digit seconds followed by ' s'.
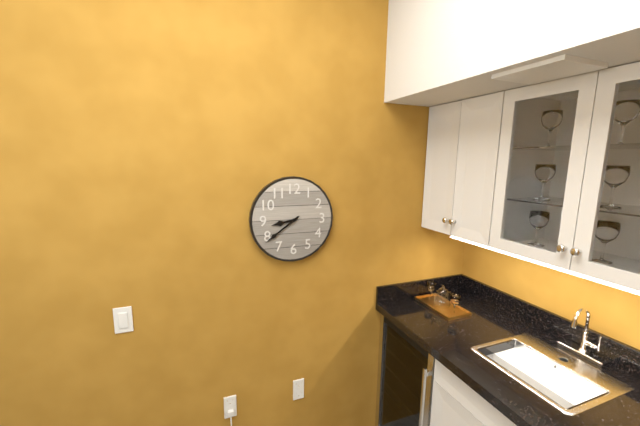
8 h 39 min
